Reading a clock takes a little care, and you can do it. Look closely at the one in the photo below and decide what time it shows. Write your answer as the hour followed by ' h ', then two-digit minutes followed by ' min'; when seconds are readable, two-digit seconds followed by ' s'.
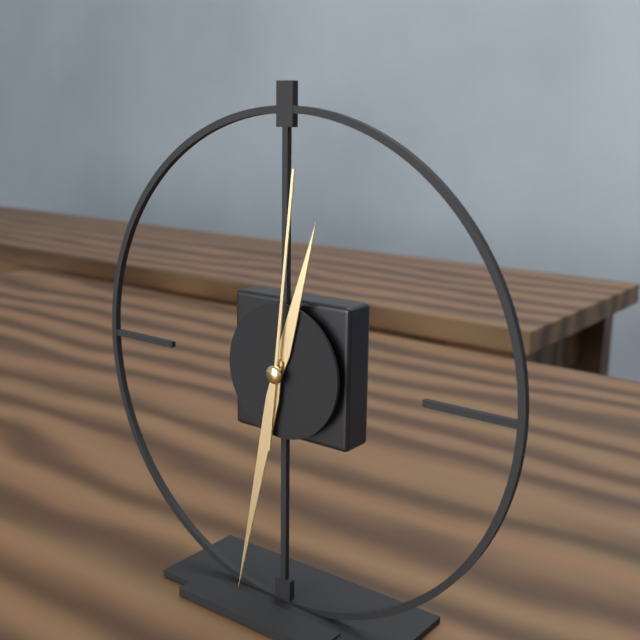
12 h 32 min 01 s
